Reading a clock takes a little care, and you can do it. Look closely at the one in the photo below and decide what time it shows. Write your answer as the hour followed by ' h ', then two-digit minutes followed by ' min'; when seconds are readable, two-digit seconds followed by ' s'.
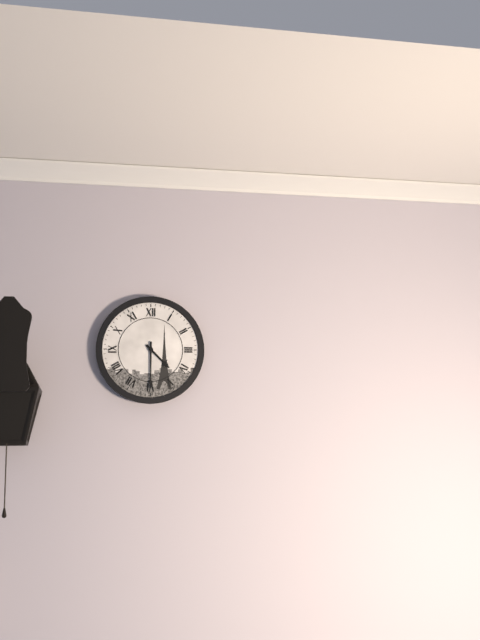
4 h 30 min
